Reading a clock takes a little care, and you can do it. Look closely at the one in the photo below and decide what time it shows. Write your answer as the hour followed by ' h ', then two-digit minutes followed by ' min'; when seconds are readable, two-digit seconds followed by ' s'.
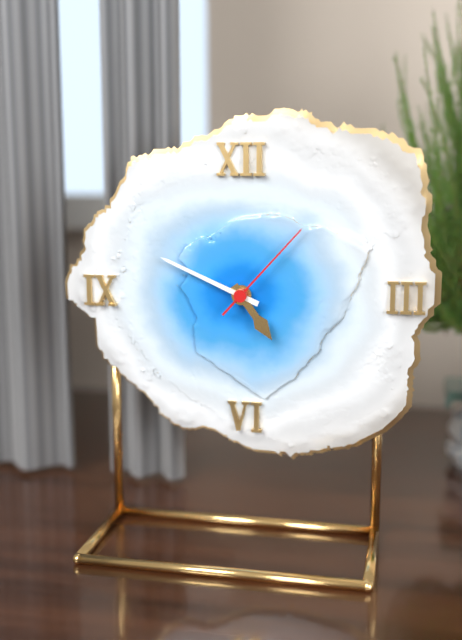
4 h 49 min 07 s
